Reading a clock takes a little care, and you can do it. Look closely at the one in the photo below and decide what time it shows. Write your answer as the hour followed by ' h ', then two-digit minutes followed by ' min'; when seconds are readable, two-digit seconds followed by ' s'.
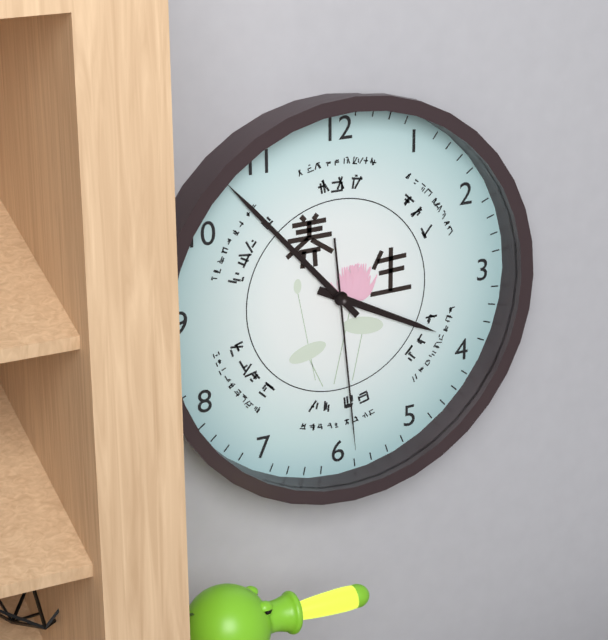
3 h 53 min 29 s
